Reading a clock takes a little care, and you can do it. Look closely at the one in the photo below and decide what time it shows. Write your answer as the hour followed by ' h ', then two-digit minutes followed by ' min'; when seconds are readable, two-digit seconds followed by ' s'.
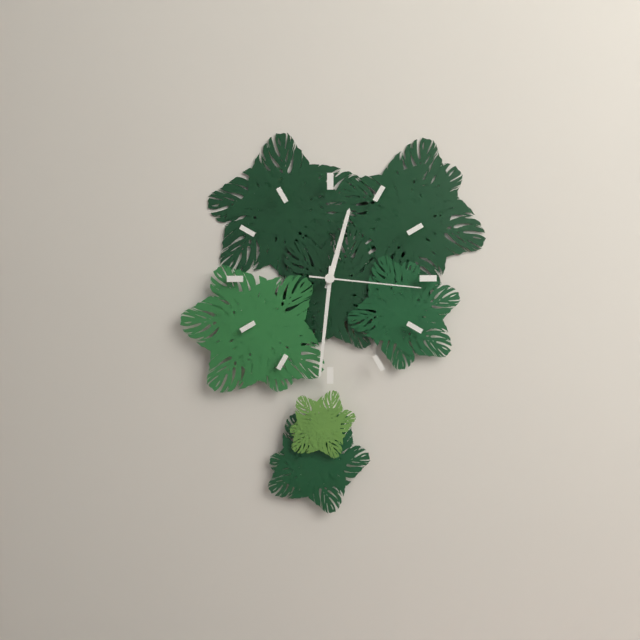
12 h 31 min 16 s
